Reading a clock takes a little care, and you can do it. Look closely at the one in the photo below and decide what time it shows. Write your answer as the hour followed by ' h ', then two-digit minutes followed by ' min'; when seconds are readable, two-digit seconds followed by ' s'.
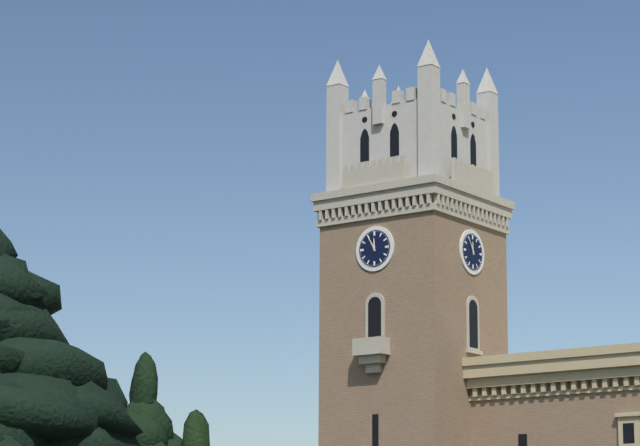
11 h 55 min
